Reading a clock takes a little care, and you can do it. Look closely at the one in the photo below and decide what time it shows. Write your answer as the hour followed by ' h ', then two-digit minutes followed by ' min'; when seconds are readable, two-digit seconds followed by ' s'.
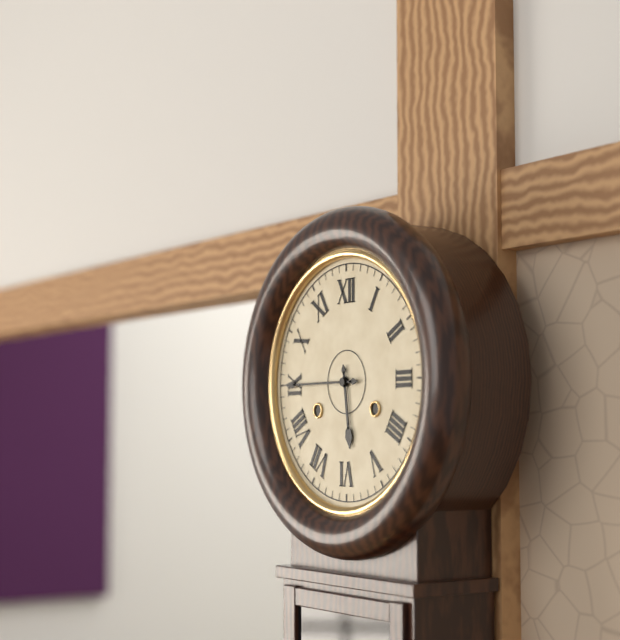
5 h 45 min
